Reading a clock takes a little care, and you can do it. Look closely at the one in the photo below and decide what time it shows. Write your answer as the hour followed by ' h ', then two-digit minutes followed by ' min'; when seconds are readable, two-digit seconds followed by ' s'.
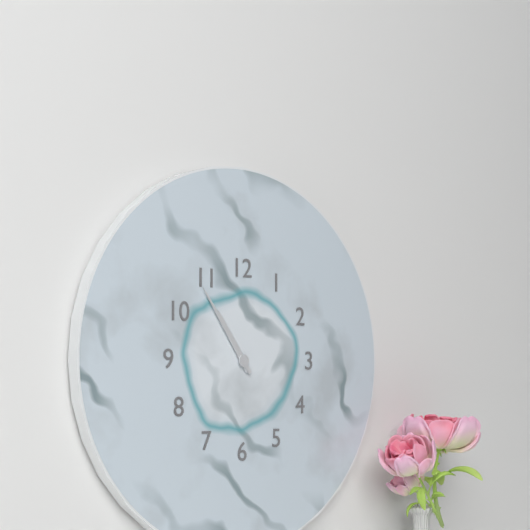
10 h 54 min
